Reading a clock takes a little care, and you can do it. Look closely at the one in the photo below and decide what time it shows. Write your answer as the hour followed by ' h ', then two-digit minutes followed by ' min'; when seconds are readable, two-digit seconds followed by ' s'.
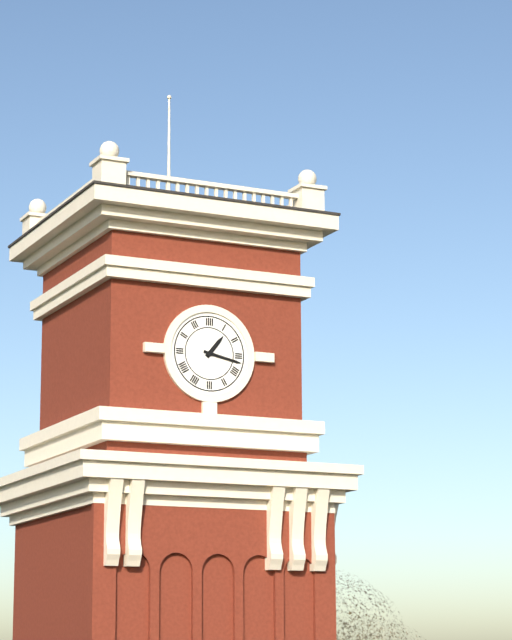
1 h 17 min
